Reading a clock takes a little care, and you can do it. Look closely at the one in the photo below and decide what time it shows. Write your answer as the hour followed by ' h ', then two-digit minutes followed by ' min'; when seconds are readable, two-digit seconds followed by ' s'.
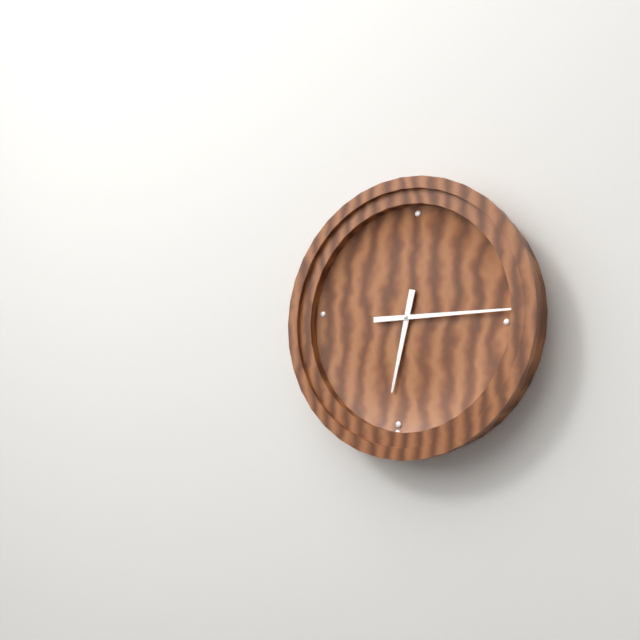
6 h 14 min
